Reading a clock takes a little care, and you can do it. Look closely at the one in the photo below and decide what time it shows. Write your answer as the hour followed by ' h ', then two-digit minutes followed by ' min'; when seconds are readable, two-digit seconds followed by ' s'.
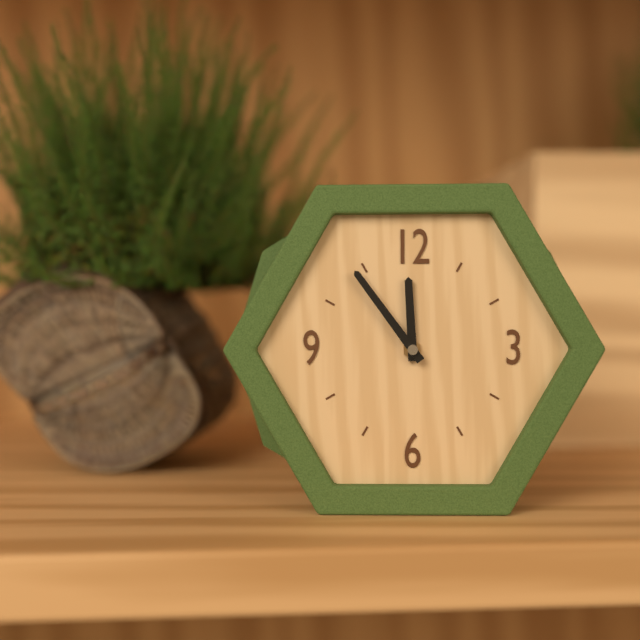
11 h 54 min
